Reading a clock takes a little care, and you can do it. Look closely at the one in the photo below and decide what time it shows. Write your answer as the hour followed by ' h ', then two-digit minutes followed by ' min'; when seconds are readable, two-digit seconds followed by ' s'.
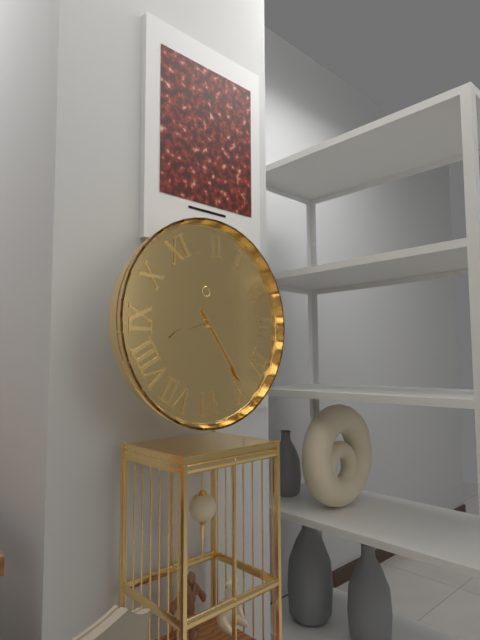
8 h 24 min
